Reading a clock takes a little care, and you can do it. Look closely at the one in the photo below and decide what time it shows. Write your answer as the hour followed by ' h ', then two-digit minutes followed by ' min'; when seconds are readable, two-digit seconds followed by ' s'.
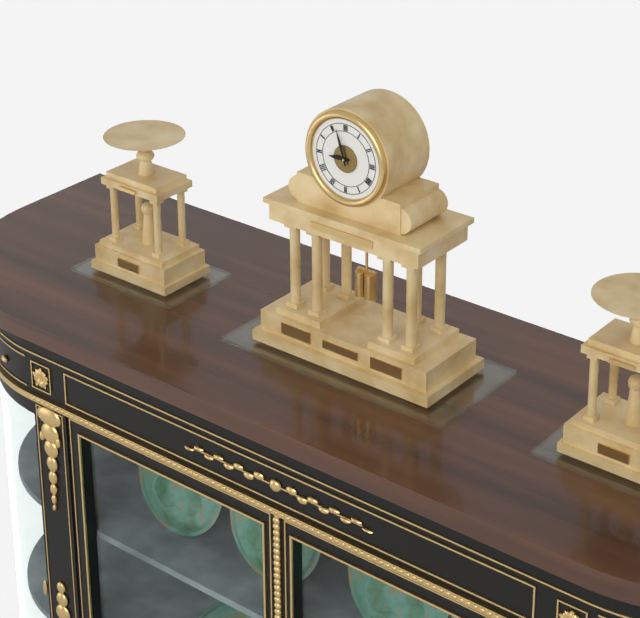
8 h 57 min
